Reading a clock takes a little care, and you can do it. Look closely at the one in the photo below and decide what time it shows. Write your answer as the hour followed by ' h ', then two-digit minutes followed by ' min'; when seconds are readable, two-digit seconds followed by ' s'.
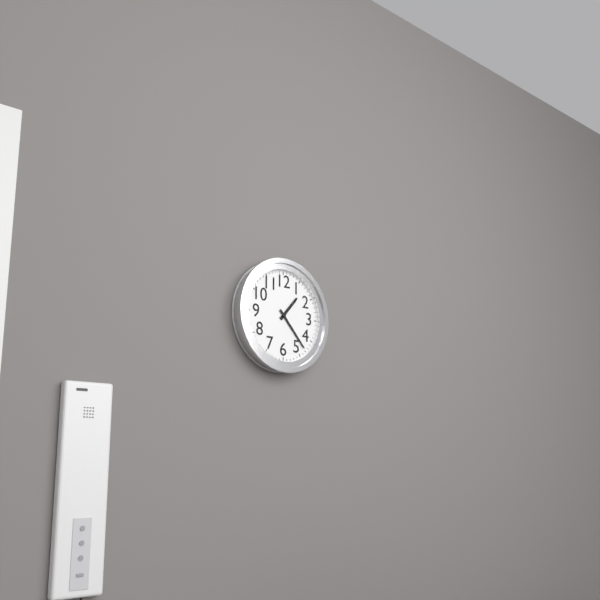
1 h 23 min
